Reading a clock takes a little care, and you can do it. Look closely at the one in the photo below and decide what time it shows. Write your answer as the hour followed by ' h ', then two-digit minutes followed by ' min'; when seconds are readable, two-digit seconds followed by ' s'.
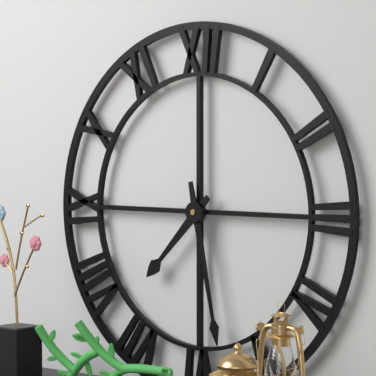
7 h 28 min
